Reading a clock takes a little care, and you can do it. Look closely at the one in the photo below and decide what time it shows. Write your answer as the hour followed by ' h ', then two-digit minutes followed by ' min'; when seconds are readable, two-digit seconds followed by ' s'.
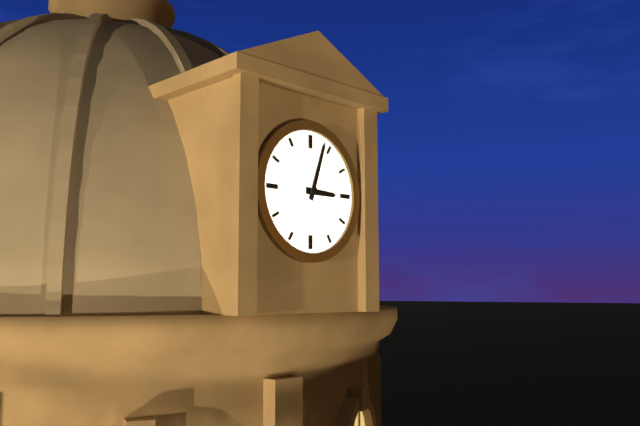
3 h 03 min
